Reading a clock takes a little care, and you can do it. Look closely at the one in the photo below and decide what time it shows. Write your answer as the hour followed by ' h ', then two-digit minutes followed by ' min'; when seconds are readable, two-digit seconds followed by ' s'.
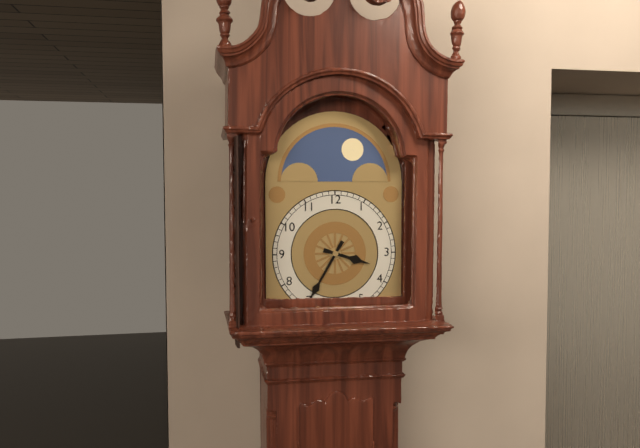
3 h 35 min
